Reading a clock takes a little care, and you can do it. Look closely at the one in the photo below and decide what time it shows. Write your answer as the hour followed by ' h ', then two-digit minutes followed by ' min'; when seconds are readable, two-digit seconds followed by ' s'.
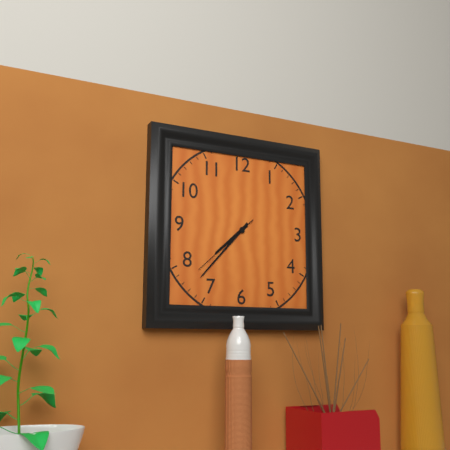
7 h 37 min 38 s
